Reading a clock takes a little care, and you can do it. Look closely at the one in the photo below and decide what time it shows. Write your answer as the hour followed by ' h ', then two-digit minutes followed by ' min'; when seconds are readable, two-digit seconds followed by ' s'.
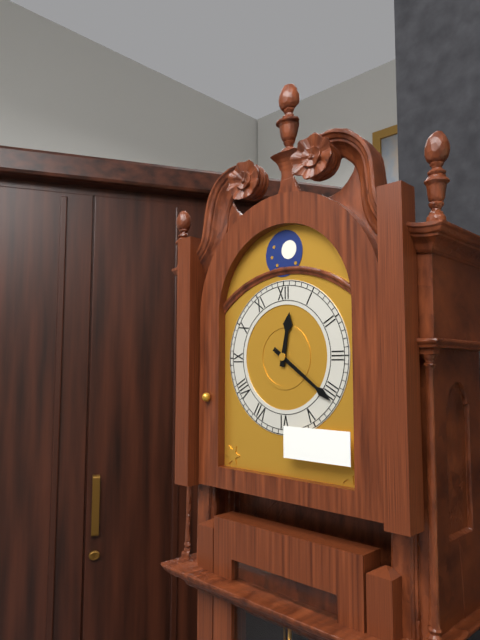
12 h 21 min
